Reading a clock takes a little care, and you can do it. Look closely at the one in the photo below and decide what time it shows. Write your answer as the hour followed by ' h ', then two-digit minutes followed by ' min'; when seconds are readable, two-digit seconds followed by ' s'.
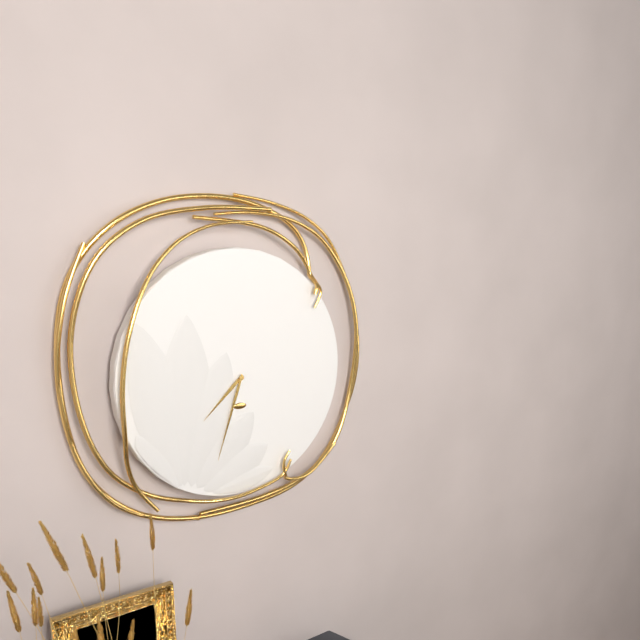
7 h 33 min
